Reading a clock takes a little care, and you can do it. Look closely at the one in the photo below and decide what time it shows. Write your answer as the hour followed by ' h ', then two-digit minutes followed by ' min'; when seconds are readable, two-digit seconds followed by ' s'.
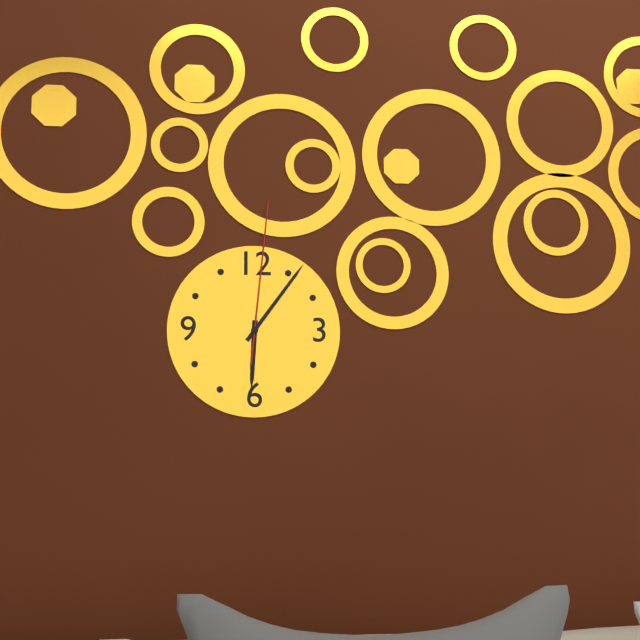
6 h 06 min 01 s
